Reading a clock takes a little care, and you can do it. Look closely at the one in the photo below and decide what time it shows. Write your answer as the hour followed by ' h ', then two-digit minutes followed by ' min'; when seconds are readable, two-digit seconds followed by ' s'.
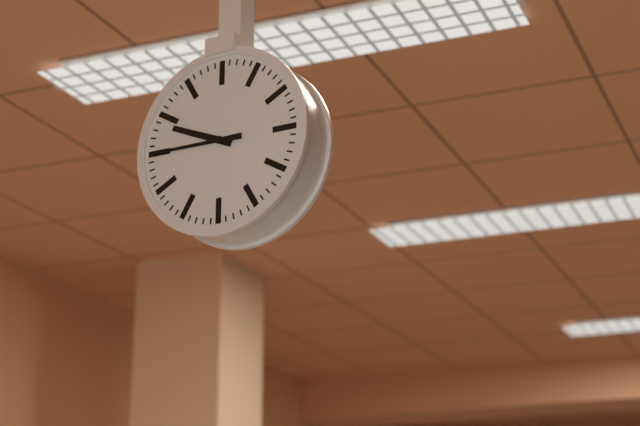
9 h 45 min
